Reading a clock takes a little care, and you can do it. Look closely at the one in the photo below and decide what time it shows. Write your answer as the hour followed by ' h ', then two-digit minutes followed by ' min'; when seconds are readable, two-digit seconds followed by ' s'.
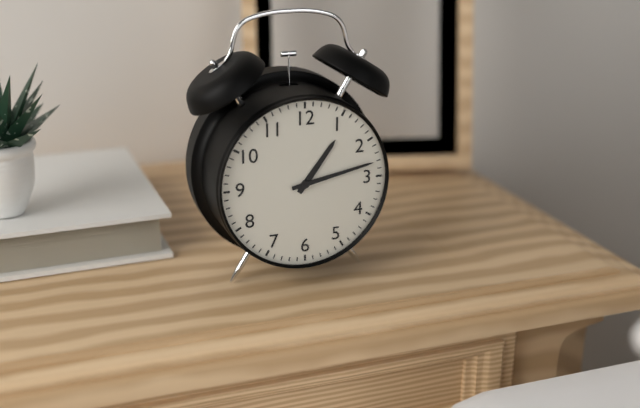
1 h 13 min
